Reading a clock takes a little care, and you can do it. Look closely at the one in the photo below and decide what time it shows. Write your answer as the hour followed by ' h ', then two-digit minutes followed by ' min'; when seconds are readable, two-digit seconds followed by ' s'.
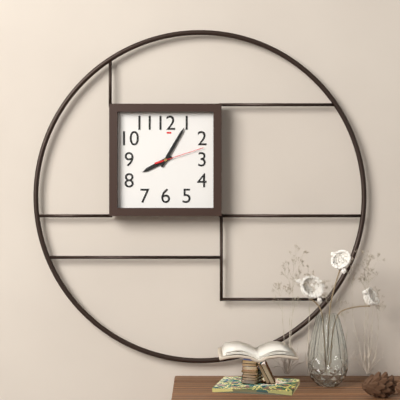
8 h 05 min
